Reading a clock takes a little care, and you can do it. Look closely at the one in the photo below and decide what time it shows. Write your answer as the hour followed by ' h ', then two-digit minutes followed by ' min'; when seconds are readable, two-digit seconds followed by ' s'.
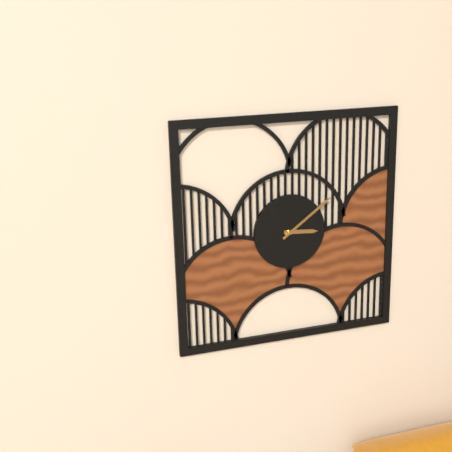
3 h 09 min
